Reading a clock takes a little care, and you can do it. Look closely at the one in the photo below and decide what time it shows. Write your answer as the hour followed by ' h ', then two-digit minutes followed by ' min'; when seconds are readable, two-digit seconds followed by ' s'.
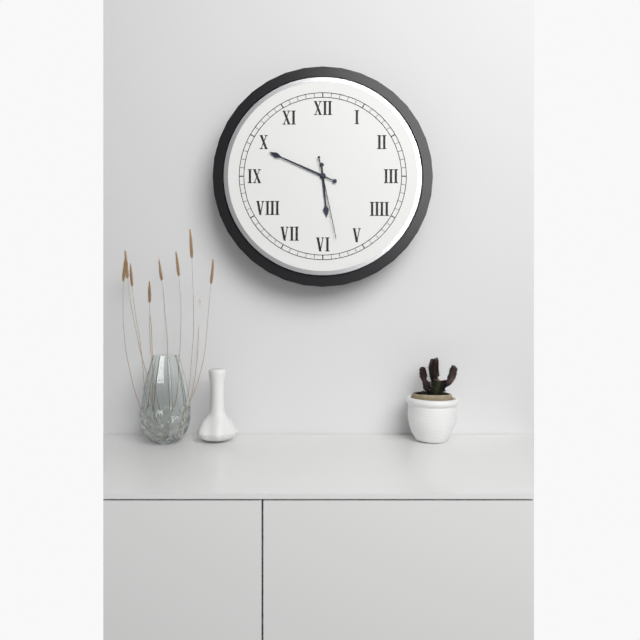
5 h 49 min 28 s
